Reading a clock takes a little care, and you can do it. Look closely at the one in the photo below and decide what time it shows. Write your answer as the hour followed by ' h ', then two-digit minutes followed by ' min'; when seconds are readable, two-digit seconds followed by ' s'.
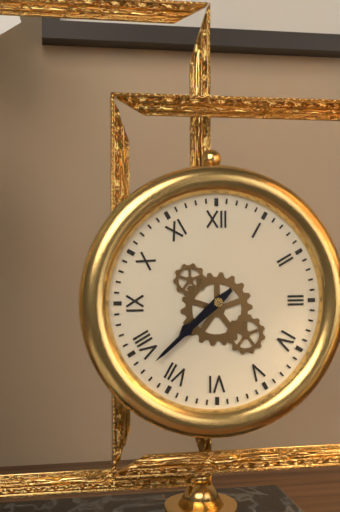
7 h 38 min
